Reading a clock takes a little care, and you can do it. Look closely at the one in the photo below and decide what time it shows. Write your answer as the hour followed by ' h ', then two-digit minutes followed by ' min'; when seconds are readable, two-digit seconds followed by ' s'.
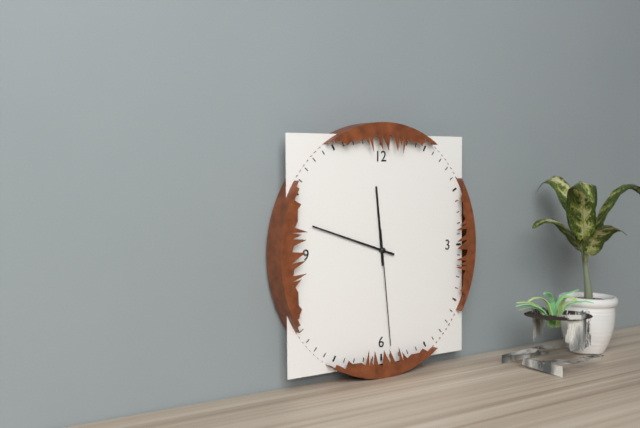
11 h 48 min 29 s
